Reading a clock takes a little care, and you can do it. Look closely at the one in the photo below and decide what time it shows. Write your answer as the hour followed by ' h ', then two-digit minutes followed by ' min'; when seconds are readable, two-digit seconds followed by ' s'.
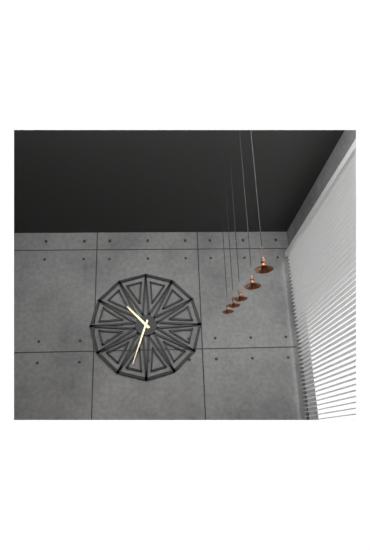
10 h 33 min
